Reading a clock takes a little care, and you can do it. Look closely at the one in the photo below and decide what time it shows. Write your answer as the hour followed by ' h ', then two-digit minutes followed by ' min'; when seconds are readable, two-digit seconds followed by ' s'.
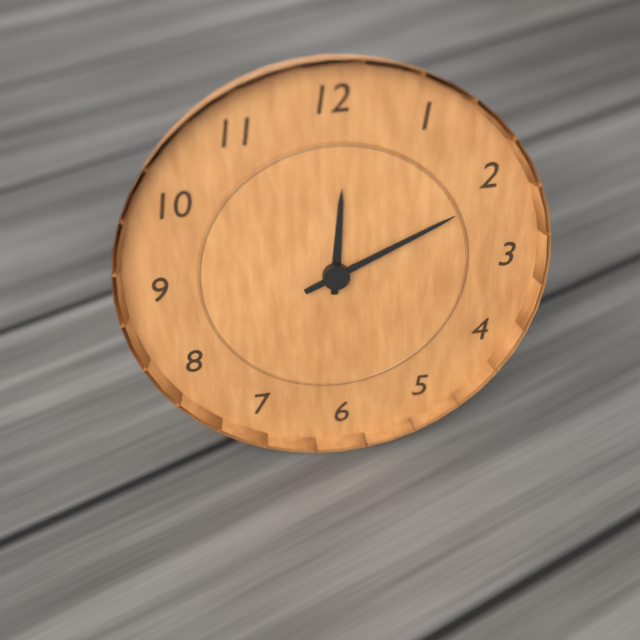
12 h 11 min
